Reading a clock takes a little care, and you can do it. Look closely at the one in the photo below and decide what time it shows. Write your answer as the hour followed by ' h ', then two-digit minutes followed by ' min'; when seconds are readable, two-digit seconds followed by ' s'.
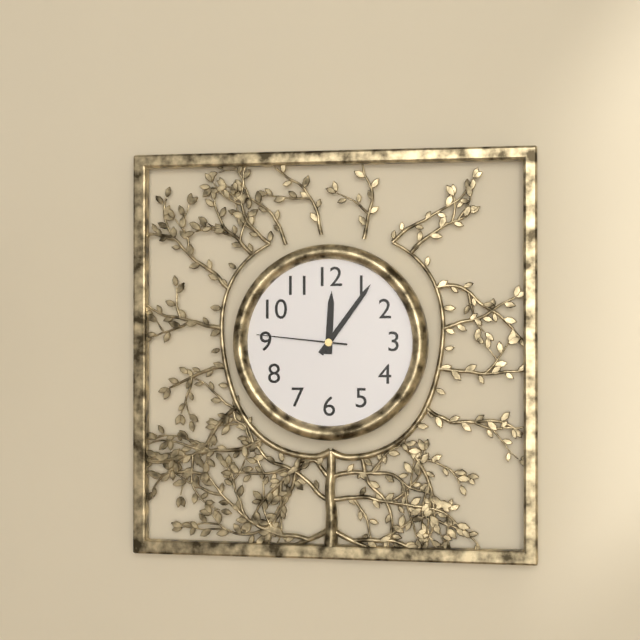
12 h 06 min 46 s
